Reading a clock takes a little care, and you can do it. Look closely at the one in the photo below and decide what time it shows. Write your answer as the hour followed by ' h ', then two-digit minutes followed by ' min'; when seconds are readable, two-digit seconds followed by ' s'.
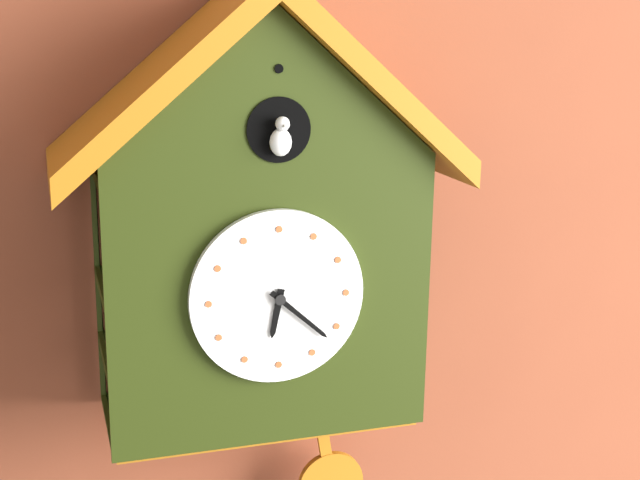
6 h 22 min
